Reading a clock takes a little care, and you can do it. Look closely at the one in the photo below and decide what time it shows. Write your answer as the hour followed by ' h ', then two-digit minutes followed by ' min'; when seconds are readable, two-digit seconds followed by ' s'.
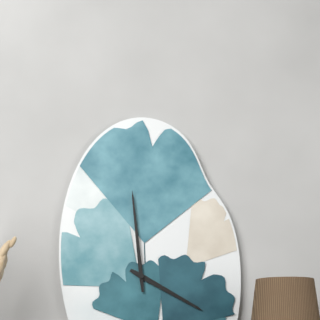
3 h 59 min
